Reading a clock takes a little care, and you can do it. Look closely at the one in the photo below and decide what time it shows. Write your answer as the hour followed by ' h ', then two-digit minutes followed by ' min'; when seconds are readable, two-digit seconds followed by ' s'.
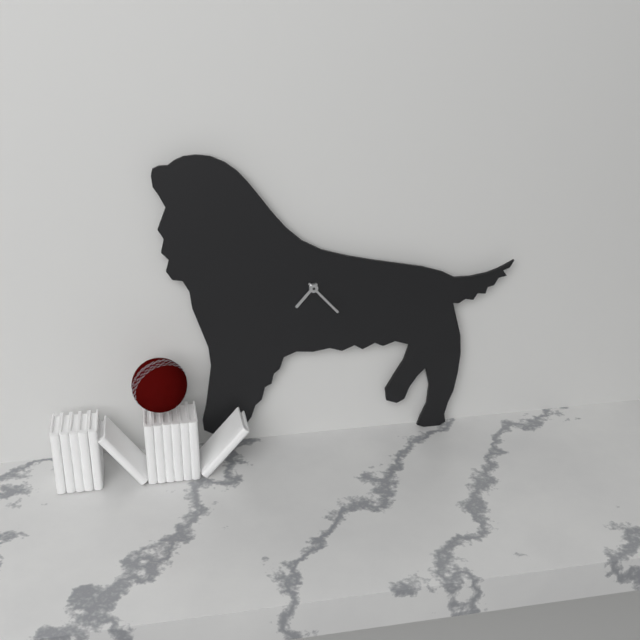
7 h 23 min
